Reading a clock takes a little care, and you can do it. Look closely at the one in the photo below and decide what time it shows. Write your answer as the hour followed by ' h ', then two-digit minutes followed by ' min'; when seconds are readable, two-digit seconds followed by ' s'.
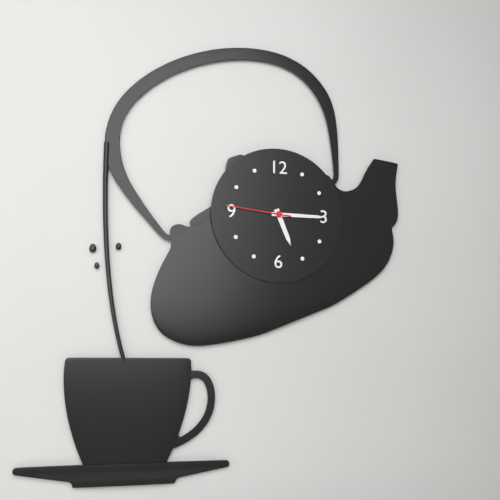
5 h 15 min 46 s
